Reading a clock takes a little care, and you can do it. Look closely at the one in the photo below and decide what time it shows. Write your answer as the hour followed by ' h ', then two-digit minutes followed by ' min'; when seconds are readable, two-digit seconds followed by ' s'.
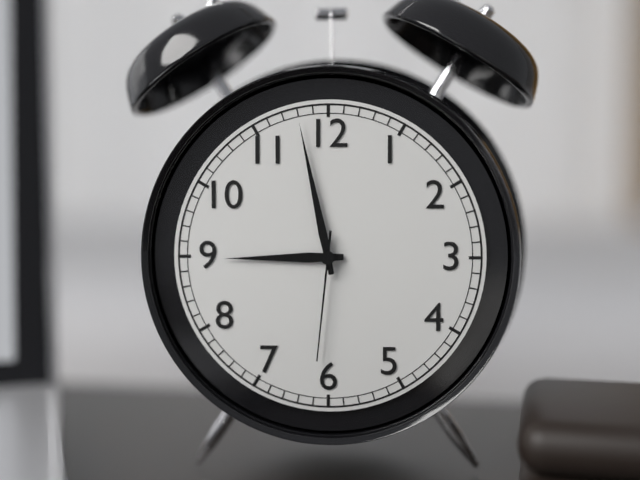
8 h 58 min 31 s
